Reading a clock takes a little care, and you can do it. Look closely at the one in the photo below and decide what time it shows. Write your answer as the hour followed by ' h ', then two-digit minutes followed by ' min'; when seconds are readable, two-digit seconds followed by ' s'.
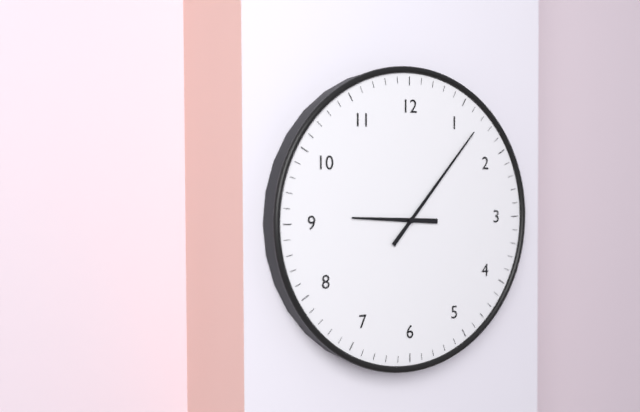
9 h 07 min
